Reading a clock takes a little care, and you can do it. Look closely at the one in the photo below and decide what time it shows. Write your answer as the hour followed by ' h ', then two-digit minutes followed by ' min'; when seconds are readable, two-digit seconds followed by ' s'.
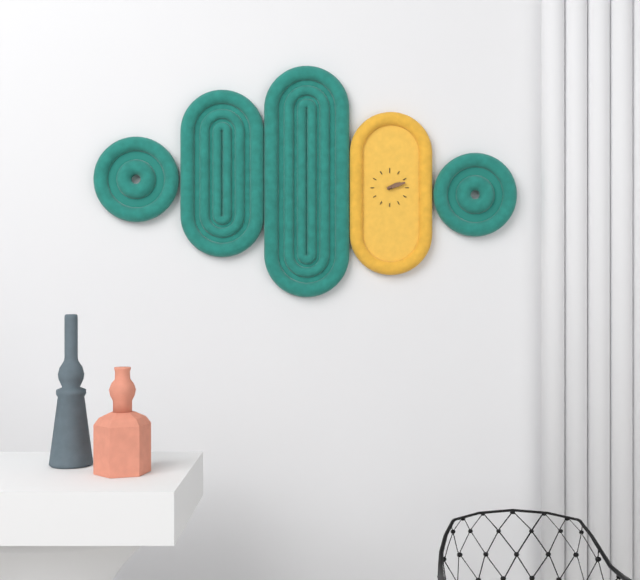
2 h 12 min
